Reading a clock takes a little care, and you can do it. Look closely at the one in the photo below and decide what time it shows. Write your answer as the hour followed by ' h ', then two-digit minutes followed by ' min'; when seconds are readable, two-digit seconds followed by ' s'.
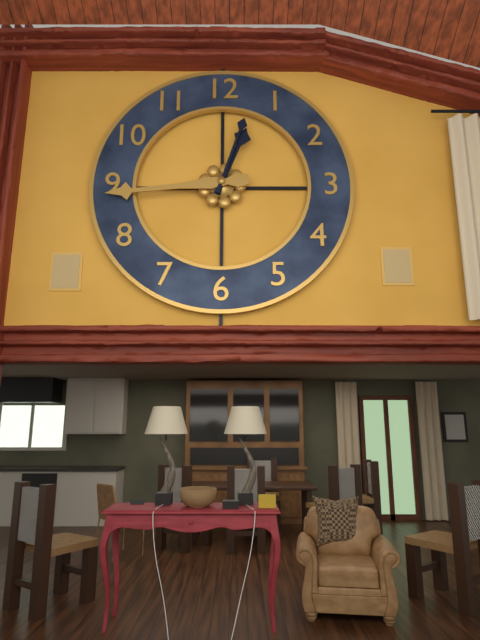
12 h 44 min 03 s
